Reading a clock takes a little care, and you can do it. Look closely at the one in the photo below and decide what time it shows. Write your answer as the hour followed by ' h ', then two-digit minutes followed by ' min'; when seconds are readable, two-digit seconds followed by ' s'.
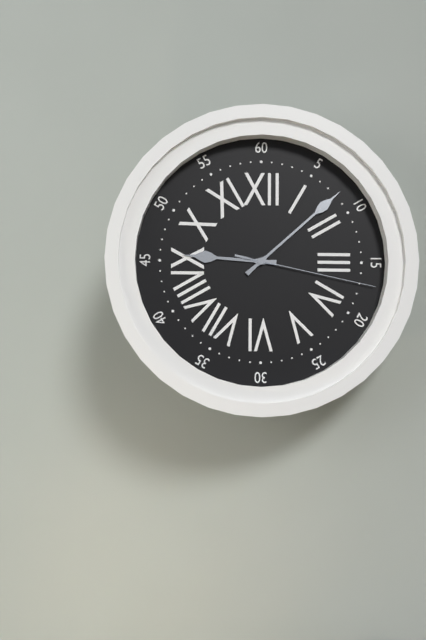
9 h 08 min 17 s
